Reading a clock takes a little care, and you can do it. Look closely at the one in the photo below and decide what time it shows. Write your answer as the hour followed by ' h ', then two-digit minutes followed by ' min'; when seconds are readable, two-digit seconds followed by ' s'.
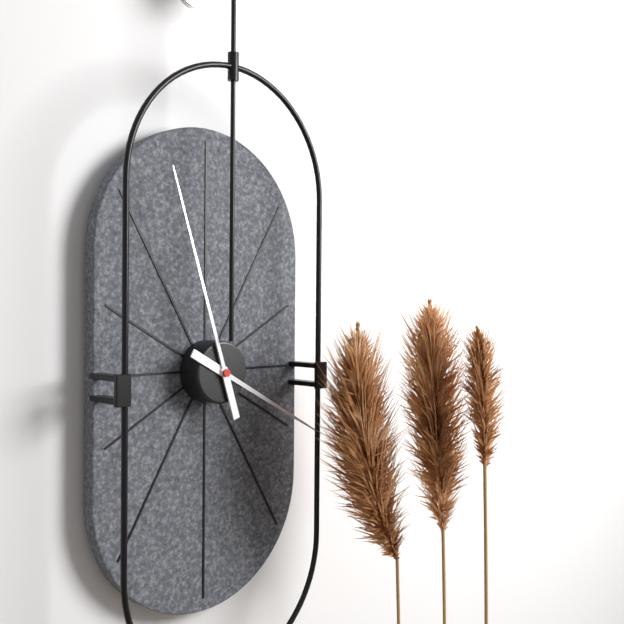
3 h 57 min
